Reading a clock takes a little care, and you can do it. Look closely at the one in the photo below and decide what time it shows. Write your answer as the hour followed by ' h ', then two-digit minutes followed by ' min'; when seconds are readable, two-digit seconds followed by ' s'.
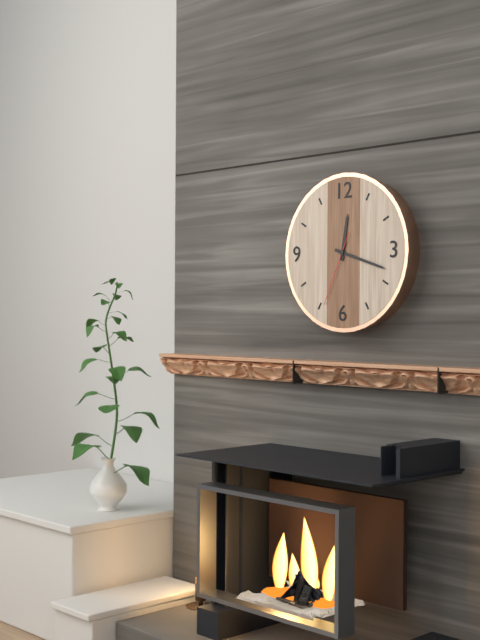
12 h 18 min 34 s
